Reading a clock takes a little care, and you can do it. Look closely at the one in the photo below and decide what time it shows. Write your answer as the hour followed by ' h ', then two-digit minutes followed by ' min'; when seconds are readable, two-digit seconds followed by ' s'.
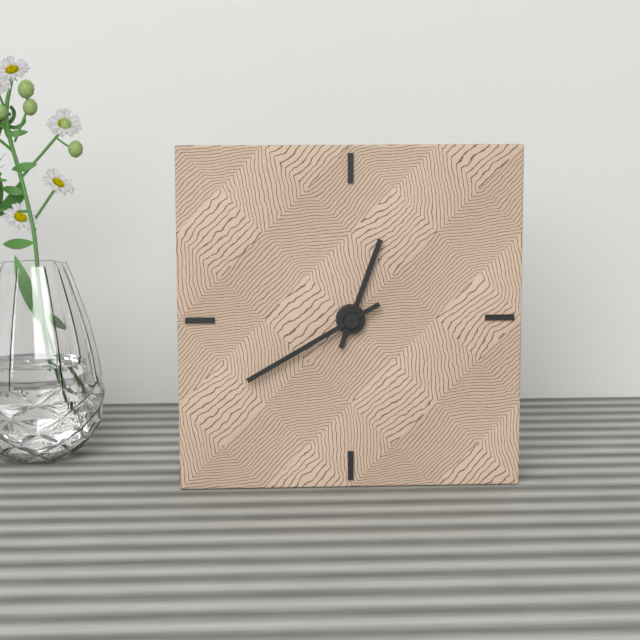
12 h 40 min
